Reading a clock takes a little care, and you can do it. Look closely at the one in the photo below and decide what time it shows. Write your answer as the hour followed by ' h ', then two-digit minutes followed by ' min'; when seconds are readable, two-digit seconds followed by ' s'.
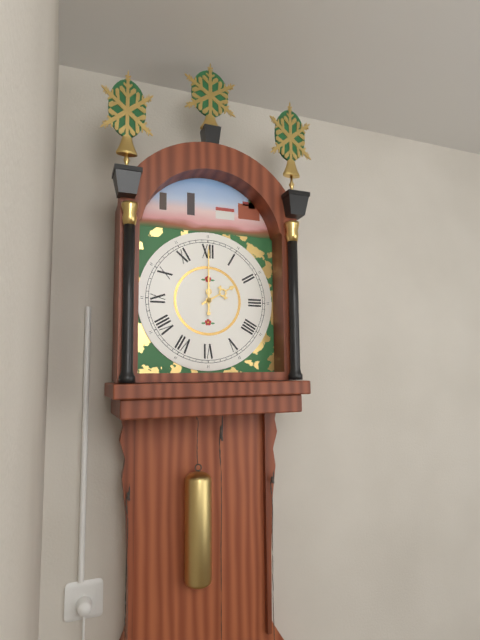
2 h 00 min
